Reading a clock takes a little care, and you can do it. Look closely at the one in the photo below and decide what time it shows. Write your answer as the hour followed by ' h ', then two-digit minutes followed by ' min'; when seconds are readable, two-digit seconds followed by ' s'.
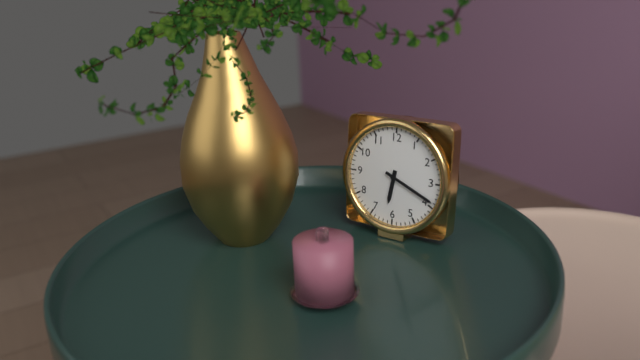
6 h 19 min
